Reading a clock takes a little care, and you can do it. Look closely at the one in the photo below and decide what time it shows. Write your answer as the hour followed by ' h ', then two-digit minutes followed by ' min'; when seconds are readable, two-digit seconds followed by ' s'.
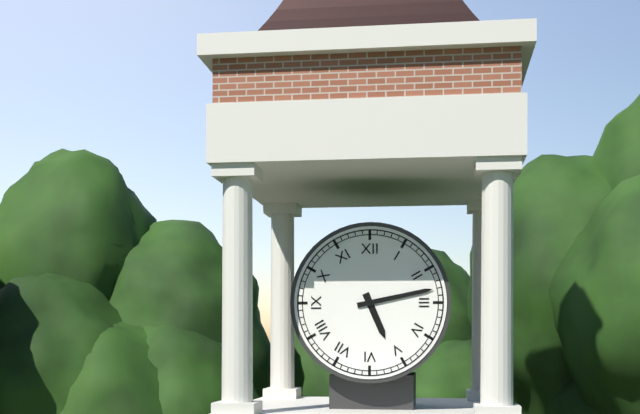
5 h 13 min
